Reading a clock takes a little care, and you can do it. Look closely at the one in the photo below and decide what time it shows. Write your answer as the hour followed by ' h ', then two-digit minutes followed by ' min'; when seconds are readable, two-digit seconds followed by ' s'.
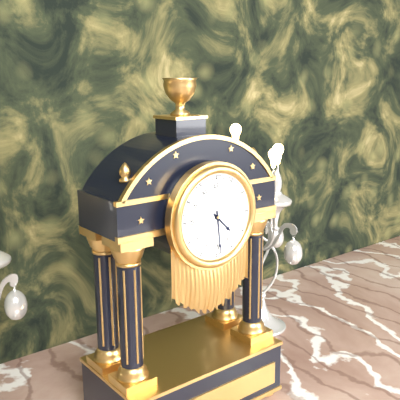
4 h 29 min
